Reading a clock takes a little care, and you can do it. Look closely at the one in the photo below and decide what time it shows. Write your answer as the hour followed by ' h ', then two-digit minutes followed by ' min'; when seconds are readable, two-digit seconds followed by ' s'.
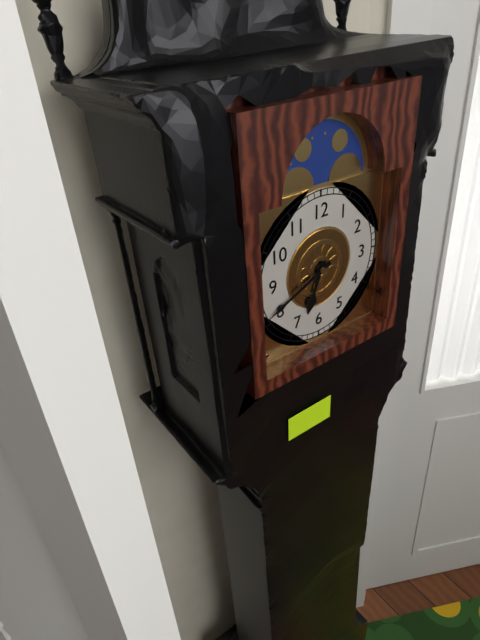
6 h 41 min
